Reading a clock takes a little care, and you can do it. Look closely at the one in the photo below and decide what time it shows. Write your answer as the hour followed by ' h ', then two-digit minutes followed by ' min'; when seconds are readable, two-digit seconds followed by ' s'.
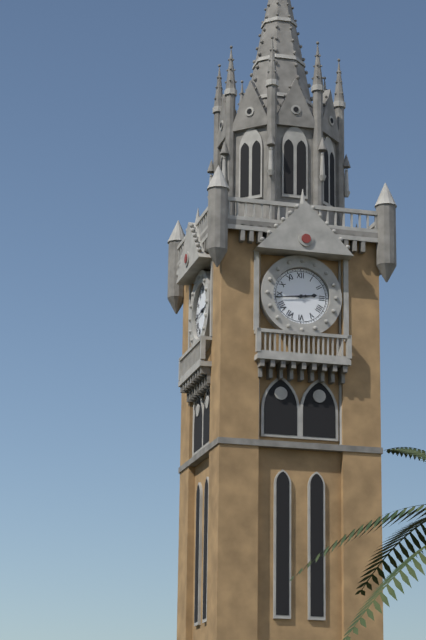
2 h 44 min
